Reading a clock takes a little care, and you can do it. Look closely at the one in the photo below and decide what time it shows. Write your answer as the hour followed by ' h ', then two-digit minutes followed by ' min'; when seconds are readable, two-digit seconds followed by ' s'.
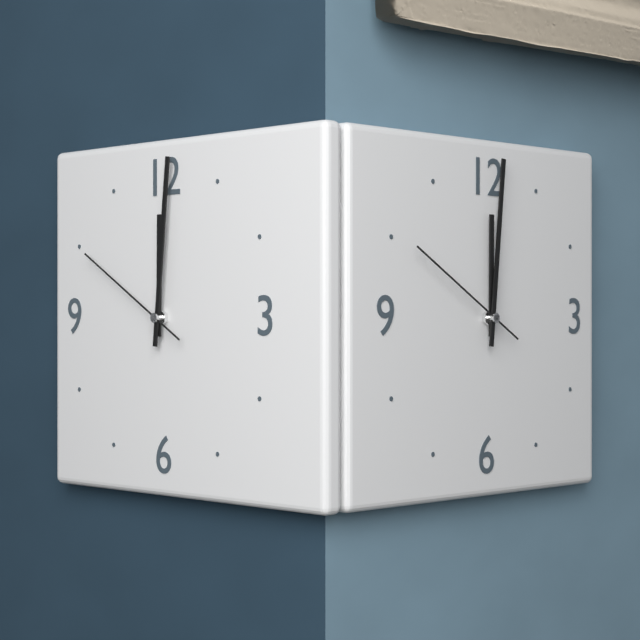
12 h 01 min 50 s
